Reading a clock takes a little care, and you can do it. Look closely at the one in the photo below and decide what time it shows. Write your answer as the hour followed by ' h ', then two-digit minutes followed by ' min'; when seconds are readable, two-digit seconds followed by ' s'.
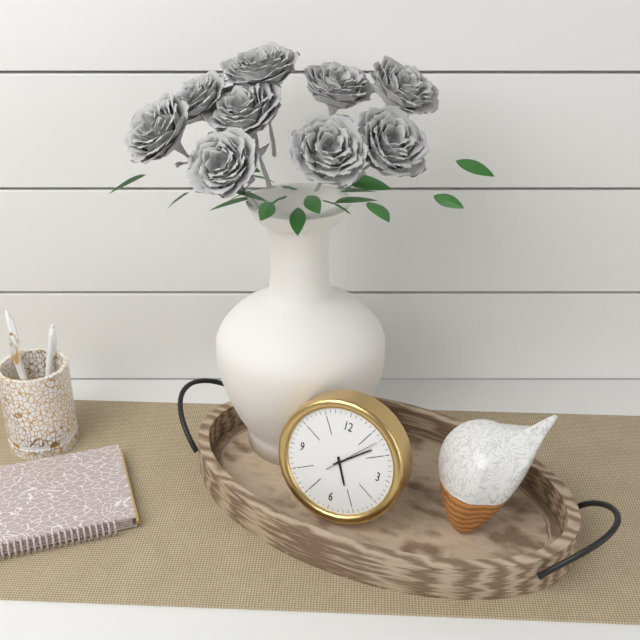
5 h 08 min 07 s
